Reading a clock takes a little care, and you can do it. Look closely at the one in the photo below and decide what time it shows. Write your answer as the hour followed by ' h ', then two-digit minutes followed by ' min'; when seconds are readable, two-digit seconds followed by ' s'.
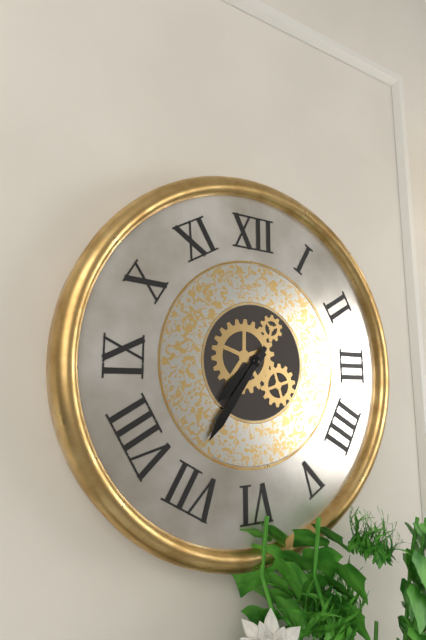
7 h 36 min
